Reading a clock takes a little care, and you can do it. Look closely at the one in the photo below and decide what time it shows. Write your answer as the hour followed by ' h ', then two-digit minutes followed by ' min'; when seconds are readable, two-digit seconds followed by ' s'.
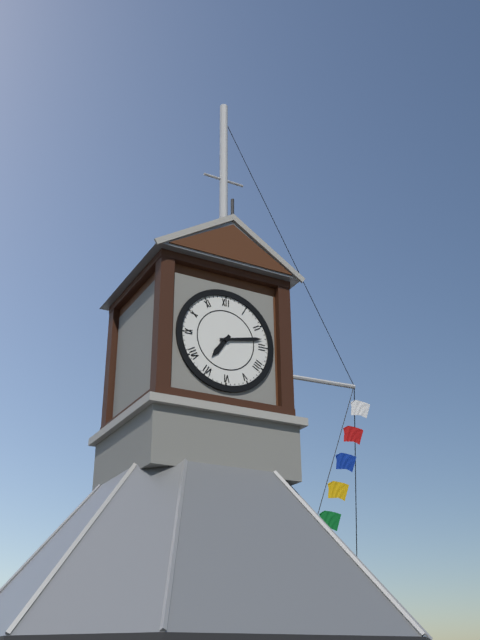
7 h 13 min
